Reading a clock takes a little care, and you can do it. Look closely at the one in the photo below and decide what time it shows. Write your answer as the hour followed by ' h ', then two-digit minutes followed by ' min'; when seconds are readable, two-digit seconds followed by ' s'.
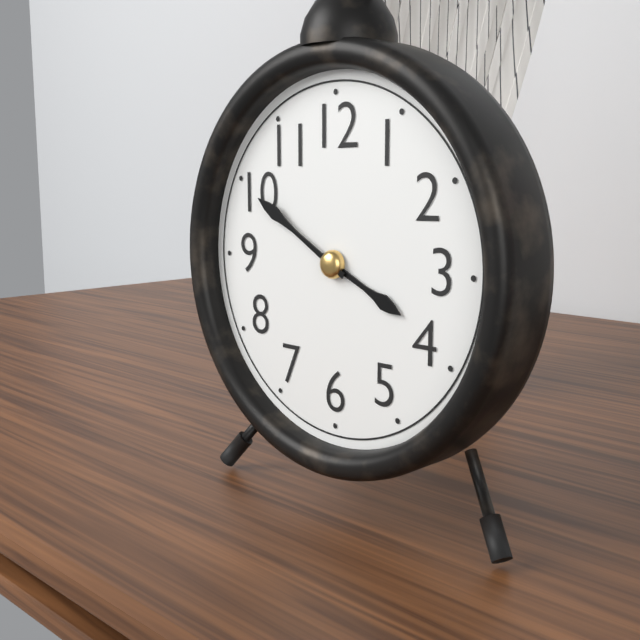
3 h 50 min
